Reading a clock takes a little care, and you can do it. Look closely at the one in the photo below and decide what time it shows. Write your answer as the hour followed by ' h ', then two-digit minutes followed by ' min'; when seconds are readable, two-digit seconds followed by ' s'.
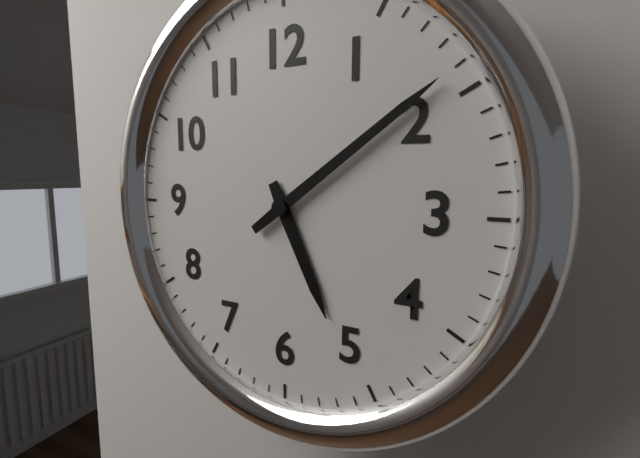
5 h 09 min
